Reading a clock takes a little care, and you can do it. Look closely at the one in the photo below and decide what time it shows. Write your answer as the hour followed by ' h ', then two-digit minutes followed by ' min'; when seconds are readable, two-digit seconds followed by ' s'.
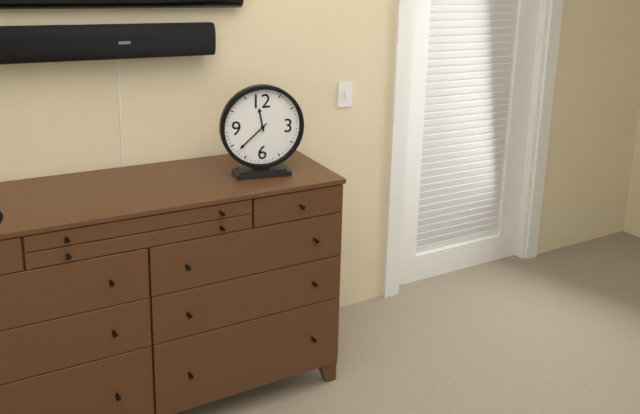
11 h 38 min
